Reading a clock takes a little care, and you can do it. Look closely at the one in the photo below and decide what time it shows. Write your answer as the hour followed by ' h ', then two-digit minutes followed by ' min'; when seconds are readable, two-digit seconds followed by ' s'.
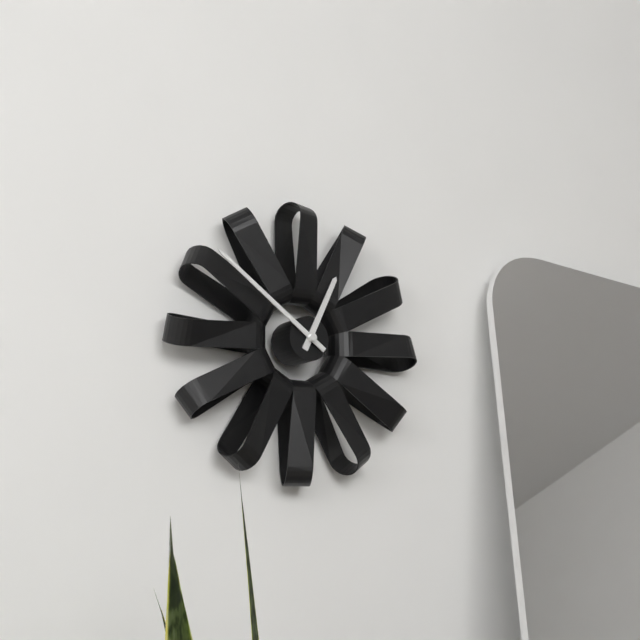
12 h 51 min
